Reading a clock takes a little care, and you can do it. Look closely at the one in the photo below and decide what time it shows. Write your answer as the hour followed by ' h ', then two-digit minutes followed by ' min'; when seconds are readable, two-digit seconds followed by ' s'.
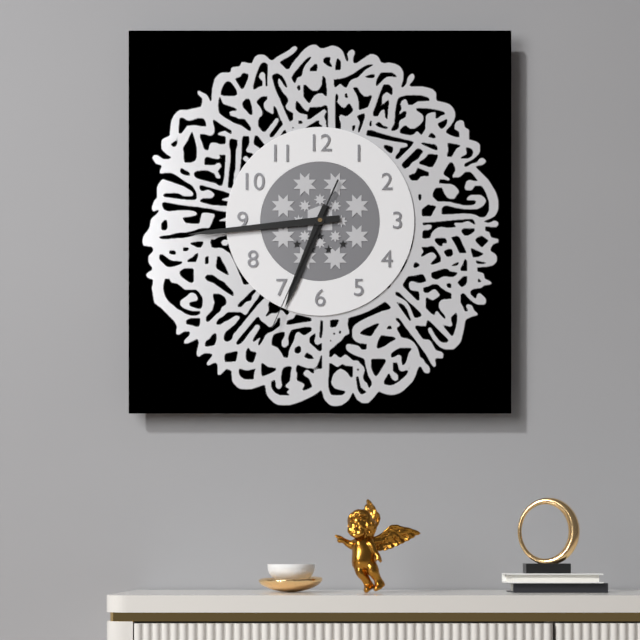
6 h 44 min 34 s
